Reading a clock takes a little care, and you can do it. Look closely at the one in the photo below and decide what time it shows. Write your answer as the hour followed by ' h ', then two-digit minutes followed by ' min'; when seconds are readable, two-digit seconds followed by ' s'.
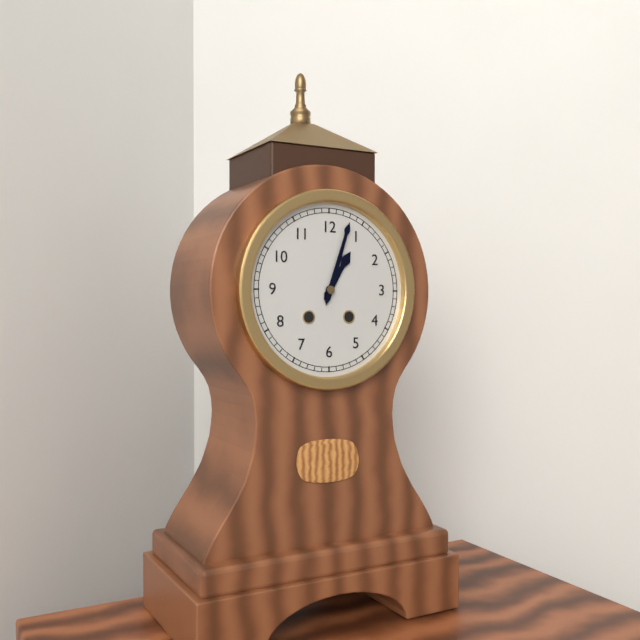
1 h 03 min
